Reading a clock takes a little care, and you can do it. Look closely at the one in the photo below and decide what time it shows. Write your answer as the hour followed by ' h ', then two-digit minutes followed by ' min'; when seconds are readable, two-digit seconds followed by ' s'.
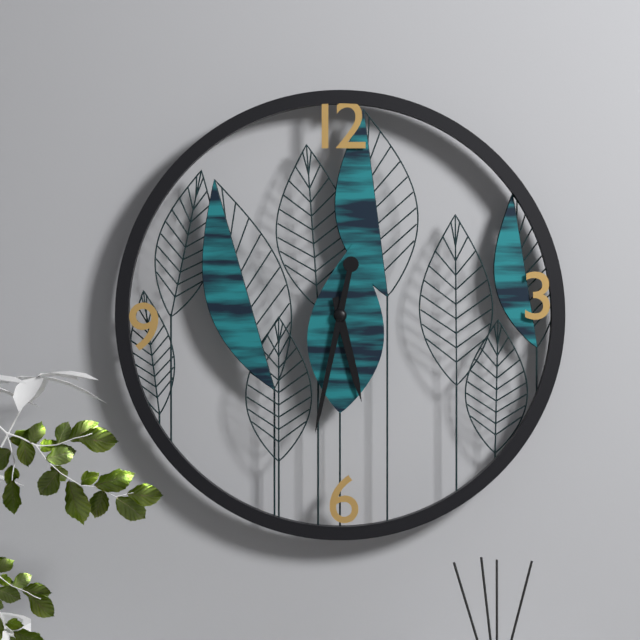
5 h 32 min
